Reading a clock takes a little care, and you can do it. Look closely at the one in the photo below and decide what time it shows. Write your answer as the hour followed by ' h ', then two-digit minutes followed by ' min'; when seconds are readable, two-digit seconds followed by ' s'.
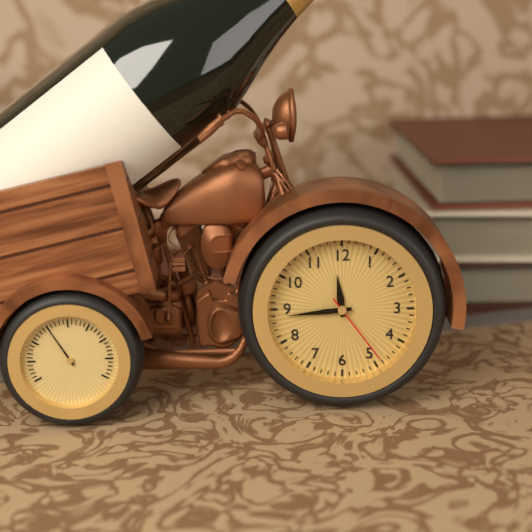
11 h 44 min 24 s
